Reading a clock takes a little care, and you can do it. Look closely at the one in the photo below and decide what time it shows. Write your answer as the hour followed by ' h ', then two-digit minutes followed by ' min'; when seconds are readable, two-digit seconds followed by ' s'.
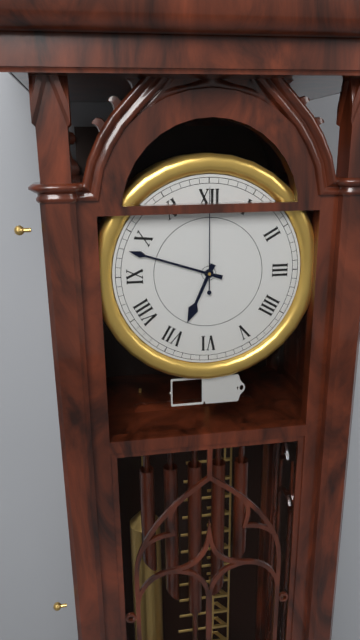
6 h 48 min 00 s
